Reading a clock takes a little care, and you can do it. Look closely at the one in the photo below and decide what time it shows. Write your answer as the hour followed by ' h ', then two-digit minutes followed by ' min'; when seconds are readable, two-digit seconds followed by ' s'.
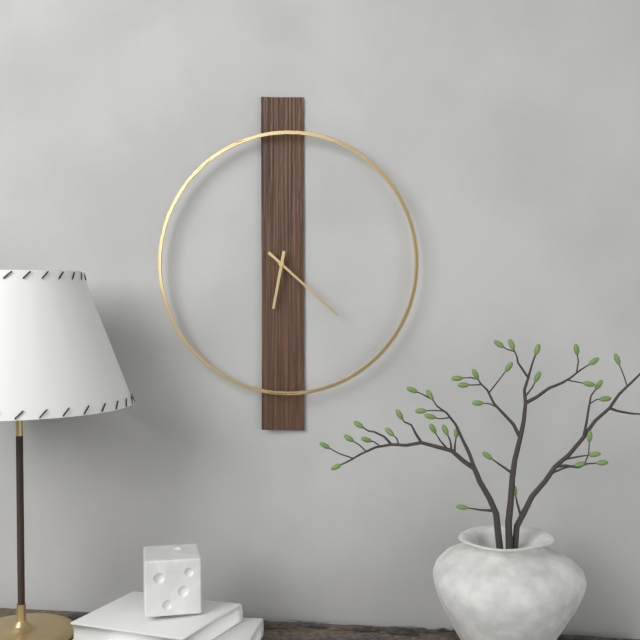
6 h 22 min
